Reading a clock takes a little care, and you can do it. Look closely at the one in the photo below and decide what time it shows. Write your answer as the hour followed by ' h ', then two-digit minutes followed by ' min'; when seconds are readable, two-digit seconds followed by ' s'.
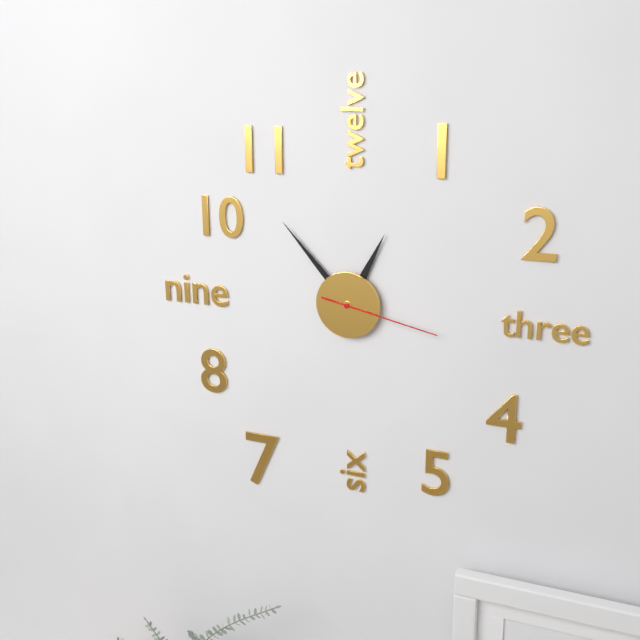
12 h 53 min 17 s
